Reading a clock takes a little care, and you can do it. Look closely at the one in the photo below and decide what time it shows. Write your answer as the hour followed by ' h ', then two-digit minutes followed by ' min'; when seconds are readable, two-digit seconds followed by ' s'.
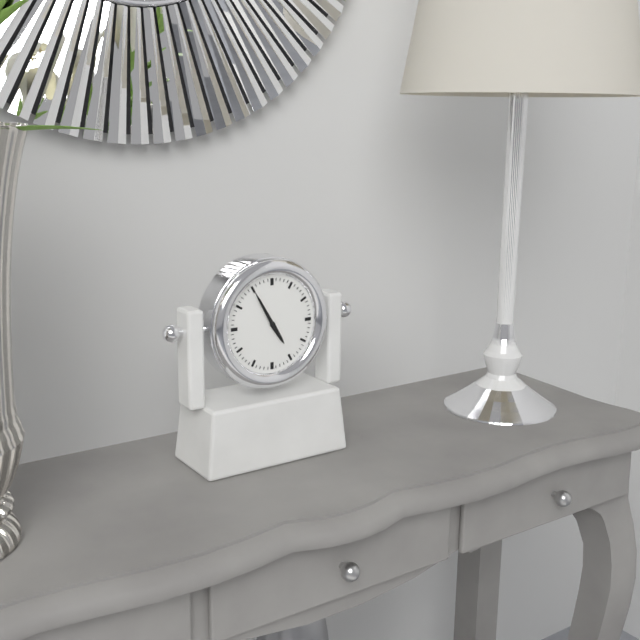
4 h 55 min
